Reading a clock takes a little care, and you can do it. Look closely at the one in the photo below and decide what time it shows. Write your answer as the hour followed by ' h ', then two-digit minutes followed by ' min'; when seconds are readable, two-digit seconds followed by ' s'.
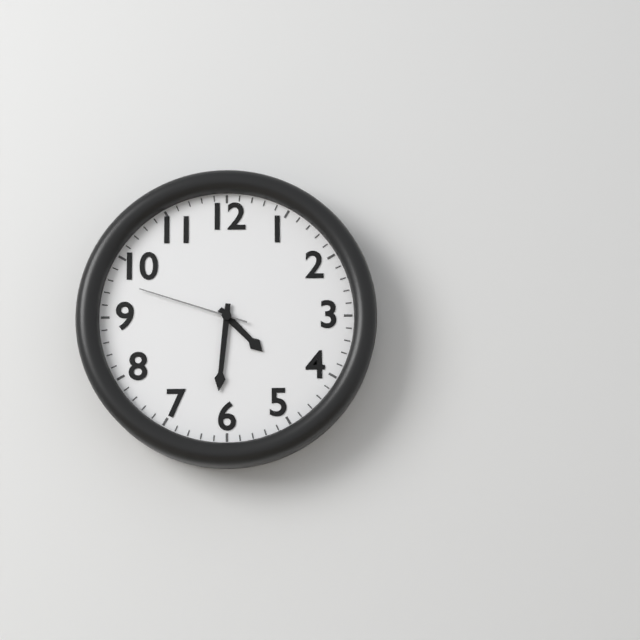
4 h 31 min 48 s
